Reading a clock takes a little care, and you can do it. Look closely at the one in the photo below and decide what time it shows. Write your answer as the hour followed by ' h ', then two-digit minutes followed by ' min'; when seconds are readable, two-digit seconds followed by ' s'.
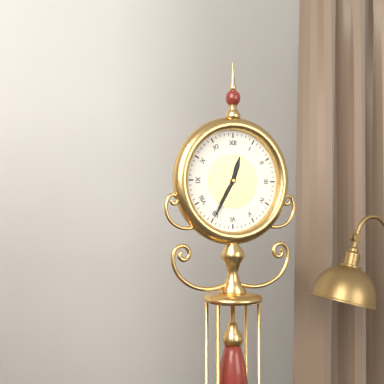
12 h 35 min
